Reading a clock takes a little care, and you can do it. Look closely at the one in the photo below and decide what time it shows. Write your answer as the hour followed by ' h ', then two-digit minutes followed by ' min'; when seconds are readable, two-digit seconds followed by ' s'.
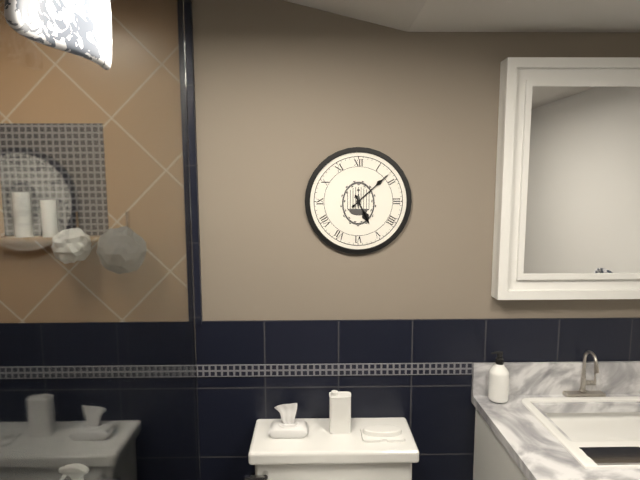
5 h 08 min
